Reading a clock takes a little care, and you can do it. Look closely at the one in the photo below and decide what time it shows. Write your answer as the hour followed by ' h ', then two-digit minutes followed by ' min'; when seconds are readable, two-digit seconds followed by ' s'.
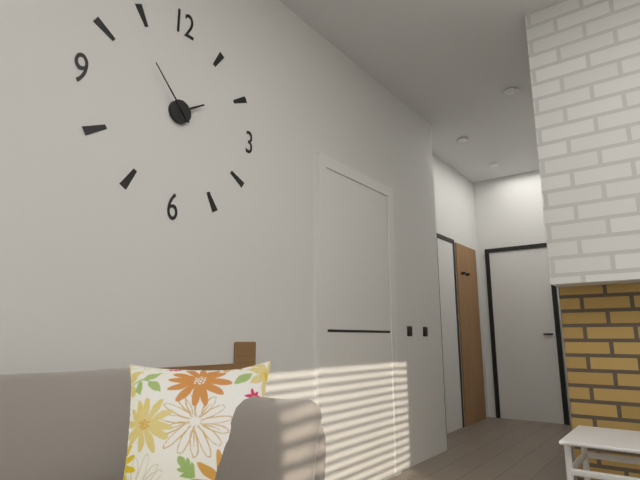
1 h 53 min
